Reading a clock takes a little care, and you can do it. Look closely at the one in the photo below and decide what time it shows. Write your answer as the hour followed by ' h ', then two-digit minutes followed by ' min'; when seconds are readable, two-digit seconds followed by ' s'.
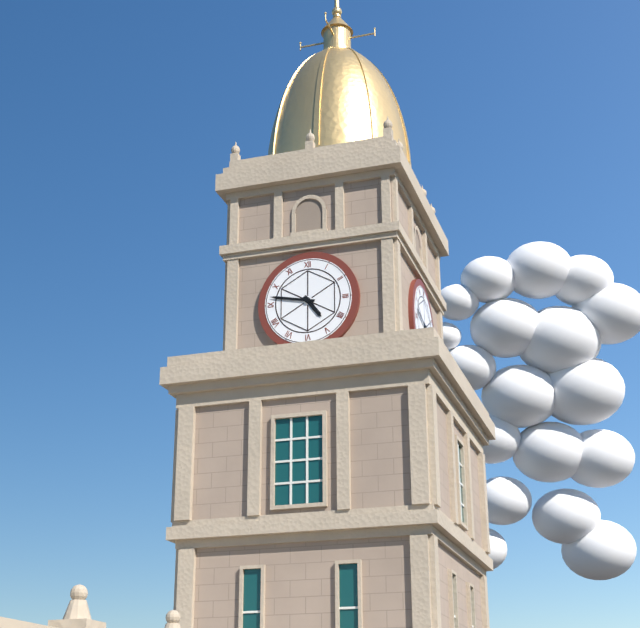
4 h 47 min
